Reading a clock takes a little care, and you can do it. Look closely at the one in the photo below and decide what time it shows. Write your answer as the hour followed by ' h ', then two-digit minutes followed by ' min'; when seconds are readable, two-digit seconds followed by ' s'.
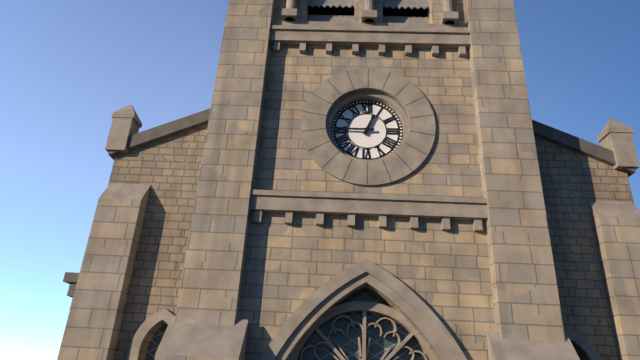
12 h 45 min
